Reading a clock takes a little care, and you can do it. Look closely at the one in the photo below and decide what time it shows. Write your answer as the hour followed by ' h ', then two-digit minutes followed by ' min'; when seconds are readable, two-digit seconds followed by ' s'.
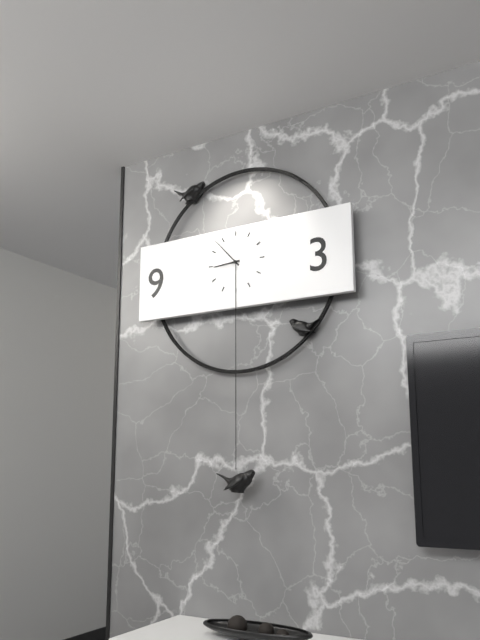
8 h 53 min
